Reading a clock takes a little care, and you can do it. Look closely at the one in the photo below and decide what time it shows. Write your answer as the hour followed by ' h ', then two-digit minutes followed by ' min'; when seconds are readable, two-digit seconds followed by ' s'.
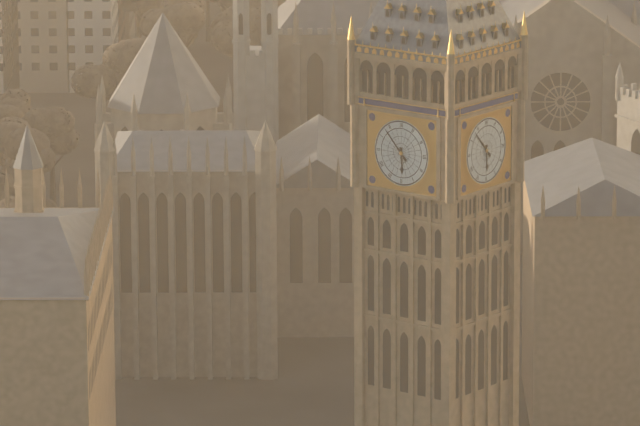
5 h 53 min
